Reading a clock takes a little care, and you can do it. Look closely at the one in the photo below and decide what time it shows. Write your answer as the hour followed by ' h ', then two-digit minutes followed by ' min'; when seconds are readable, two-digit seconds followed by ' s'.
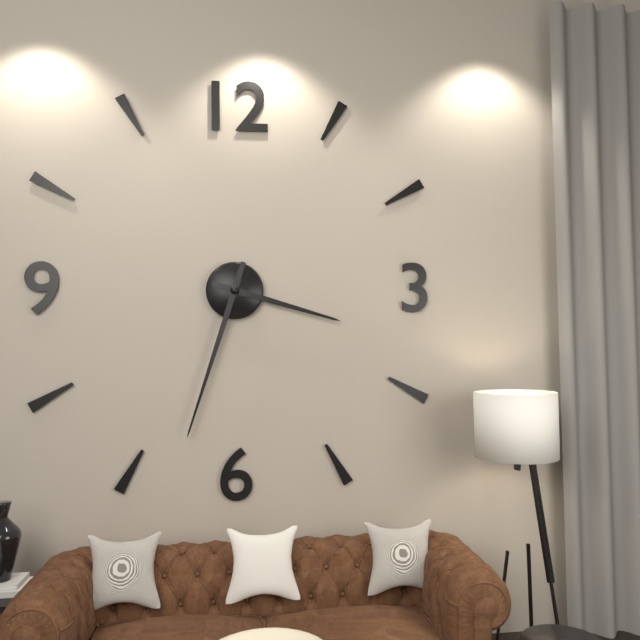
3 h 33 min
